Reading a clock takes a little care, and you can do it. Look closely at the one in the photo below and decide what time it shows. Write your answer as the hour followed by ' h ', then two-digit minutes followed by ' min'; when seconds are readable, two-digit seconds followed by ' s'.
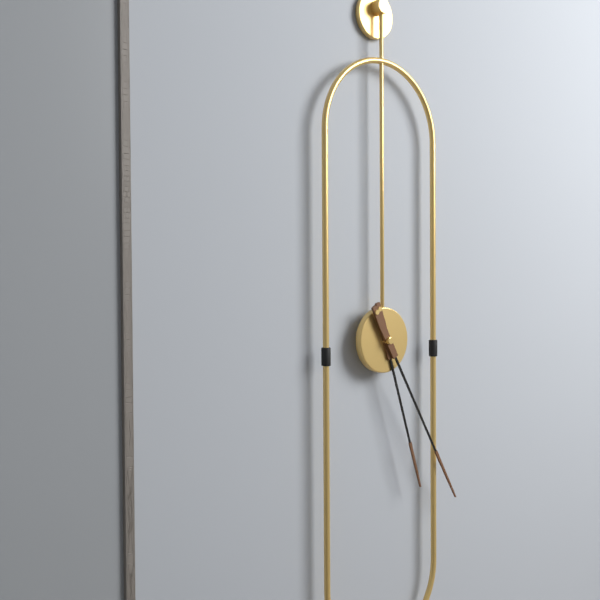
5 h 25 min
